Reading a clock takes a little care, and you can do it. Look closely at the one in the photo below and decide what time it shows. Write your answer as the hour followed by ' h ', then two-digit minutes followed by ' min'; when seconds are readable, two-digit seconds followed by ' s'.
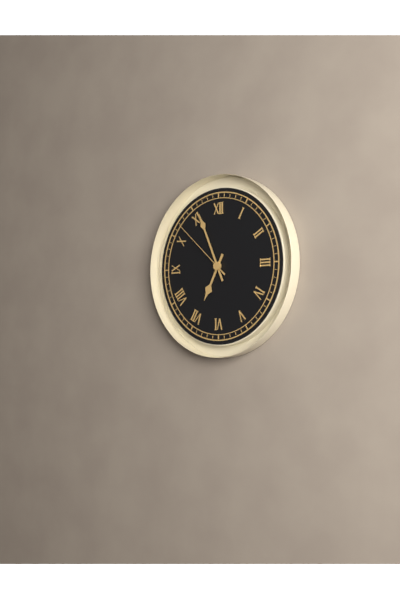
6 h 56 min 52 s
